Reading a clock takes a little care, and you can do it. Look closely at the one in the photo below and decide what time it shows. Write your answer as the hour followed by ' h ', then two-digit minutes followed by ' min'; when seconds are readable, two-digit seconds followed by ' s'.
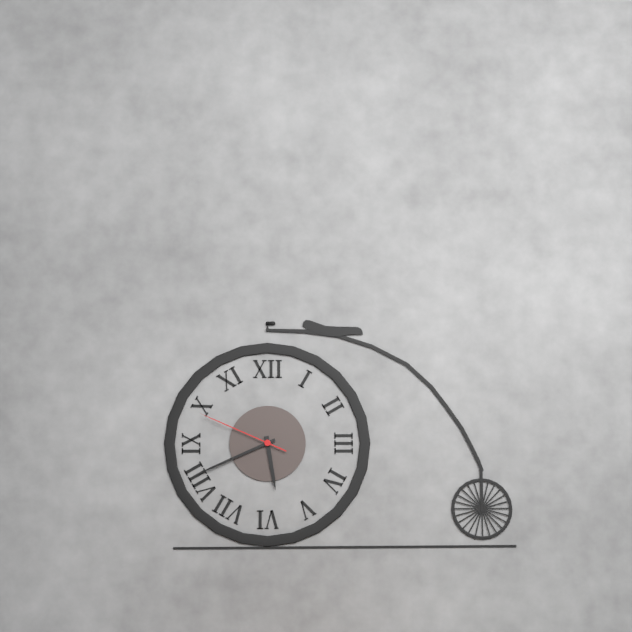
5 h 41 min 49 s
